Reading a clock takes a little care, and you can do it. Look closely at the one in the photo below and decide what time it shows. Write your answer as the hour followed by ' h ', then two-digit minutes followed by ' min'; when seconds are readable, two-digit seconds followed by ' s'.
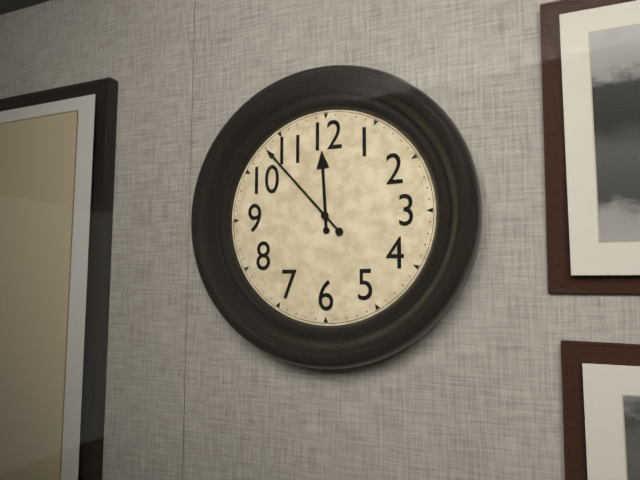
11 h 53 min
